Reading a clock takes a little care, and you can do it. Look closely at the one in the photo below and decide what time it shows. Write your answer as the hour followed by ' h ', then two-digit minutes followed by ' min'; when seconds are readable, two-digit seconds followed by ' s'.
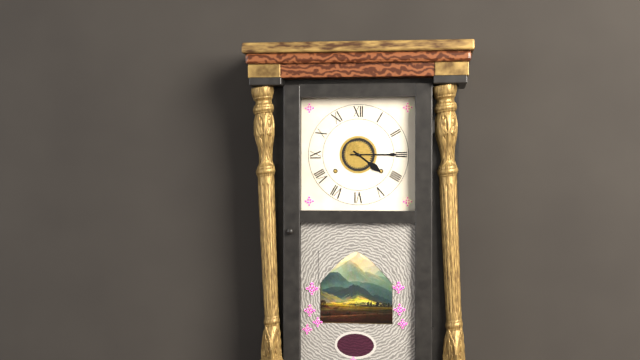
4 h 15 min
